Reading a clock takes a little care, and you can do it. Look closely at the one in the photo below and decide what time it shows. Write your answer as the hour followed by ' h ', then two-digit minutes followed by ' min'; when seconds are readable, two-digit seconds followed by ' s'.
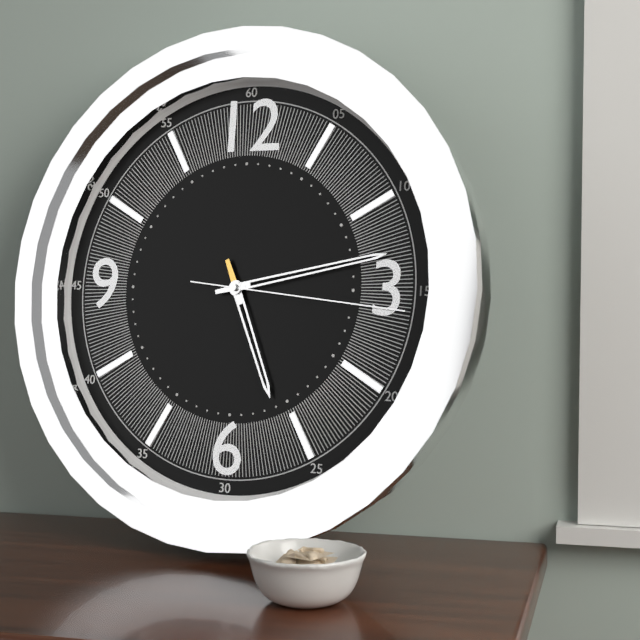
5 h 13 min 16 s
